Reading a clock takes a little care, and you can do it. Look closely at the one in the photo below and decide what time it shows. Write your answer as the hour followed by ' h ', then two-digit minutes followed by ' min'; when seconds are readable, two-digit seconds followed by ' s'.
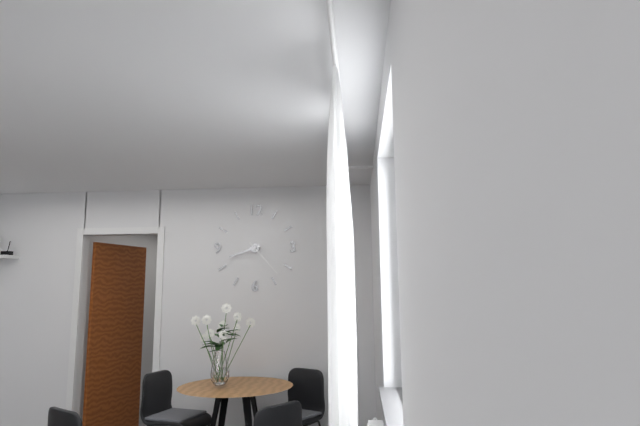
8 h 23 min
